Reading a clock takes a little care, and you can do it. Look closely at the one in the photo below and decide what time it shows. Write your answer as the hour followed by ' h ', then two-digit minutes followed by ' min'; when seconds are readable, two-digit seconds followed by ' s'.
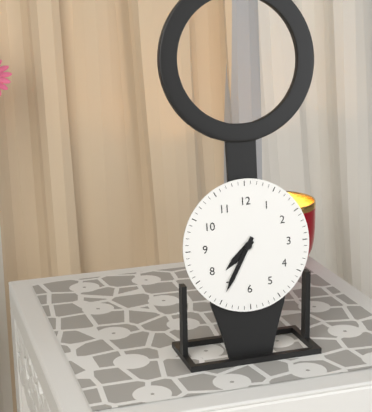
7 h 35 min
